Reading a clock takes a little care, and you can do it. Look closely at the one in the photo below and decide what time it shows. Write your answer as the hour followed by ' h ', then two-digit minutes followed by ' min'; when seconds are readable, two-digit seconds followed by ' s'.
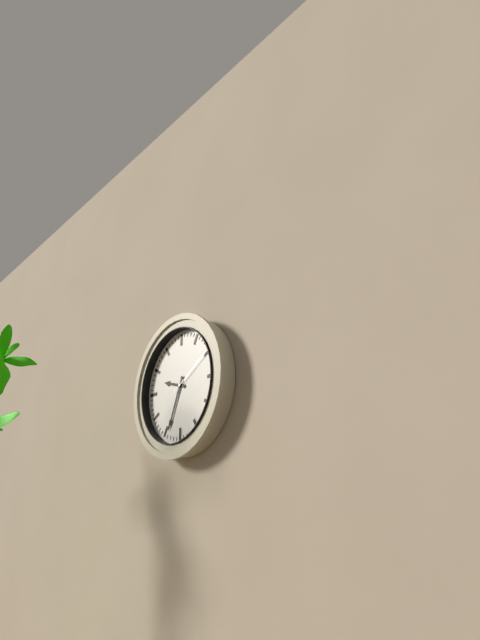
9 h 34 min 10 s
